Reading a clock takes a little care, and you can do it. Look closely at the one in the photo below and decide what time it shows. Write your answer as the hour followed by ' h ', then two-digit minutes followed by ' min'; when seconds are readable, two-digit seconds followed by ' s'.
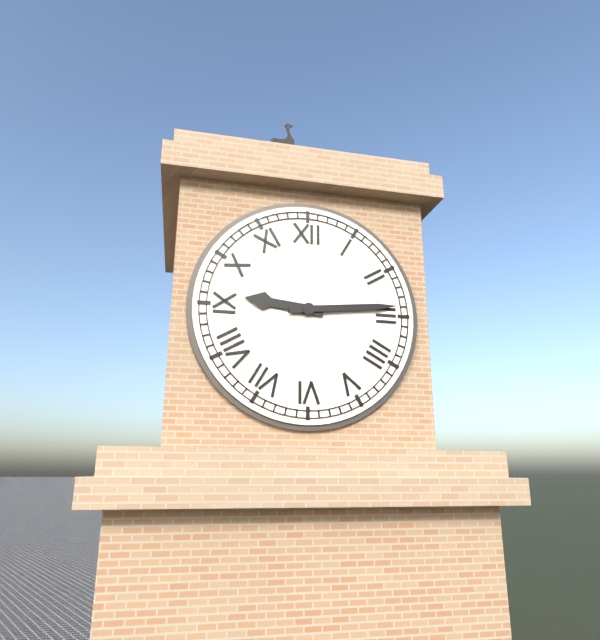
9 h 14 min
